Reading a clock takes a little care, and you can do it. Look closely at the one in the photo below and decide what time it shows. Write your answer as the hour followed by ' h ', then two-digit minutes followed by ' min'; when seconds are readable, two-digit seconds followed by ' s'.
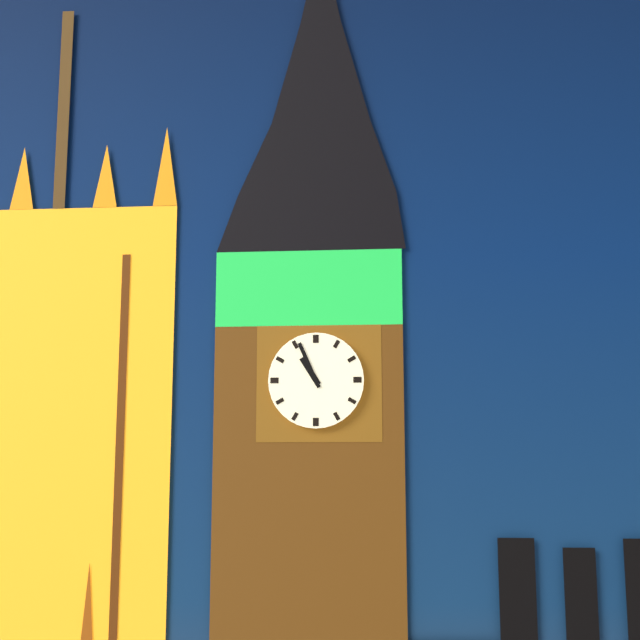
10 h 56 min
